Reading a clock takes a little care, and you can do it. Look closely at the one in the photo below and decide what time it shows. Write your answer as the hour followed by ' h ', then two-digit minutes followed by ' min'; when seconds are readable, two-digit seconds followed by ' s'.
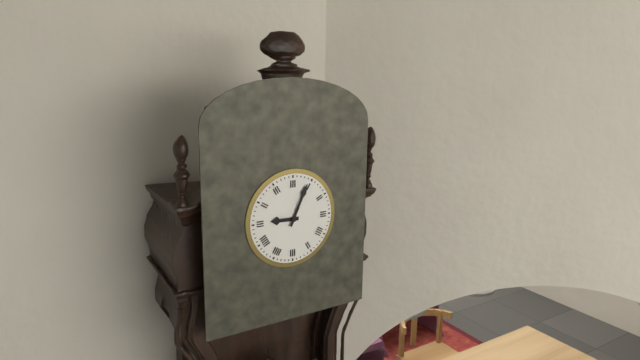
9 h 04 min
